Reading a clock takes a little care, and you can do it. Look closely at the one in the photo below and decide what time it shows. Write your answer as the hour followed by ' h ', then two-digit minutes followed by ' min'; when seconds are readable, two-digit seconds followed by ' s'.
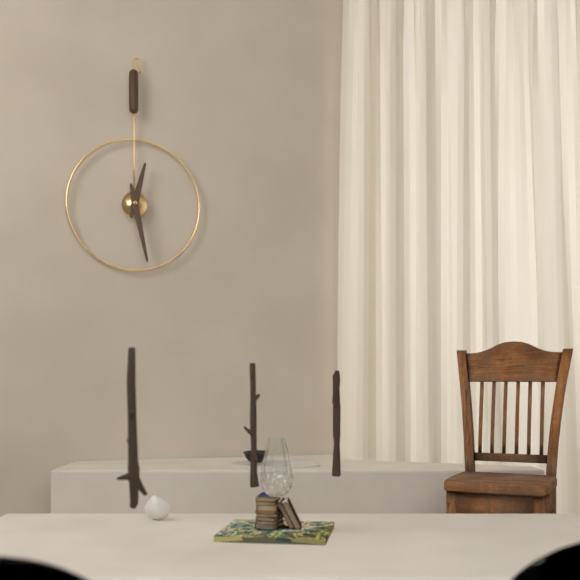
12 h 28 min
